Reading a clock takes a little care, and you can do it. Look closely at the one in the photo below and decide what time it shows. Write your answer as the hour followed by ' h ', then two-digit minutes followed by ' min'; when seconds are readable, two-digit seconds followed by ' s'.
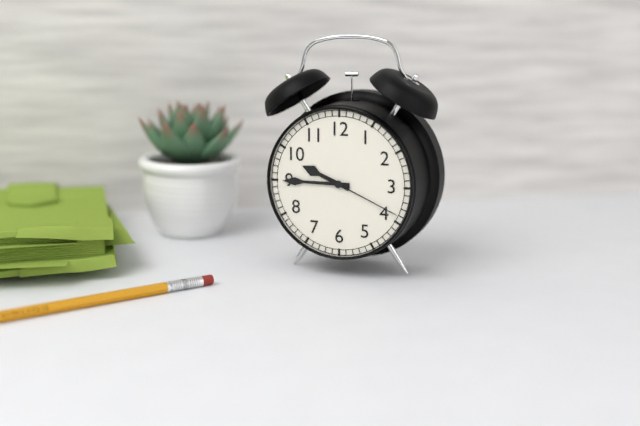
9 h 45 min 19 s
